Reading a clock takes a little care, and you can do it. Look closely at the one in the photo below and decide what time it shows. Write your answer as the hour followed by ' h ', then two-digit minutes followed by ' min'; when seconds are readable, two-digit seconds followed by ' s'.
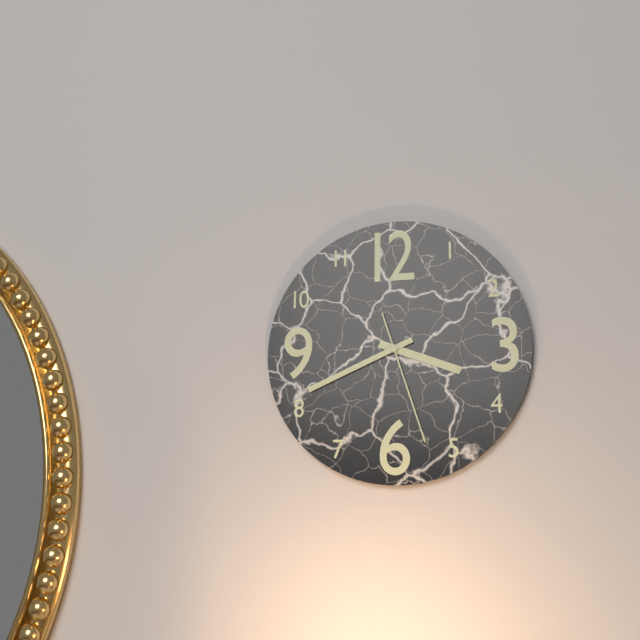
3 h 41 min 27 s
